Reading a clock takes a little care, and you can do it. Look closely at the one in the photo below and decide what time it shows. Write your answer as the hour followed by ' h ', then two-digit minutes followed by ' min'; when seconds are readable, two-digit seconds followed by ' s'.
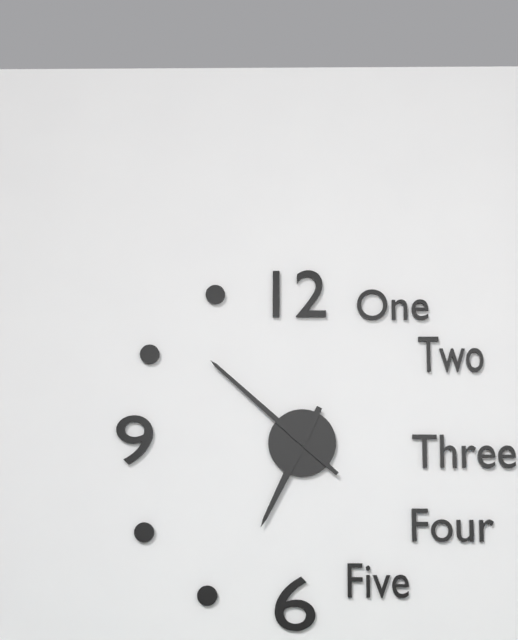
6 h 52 min
